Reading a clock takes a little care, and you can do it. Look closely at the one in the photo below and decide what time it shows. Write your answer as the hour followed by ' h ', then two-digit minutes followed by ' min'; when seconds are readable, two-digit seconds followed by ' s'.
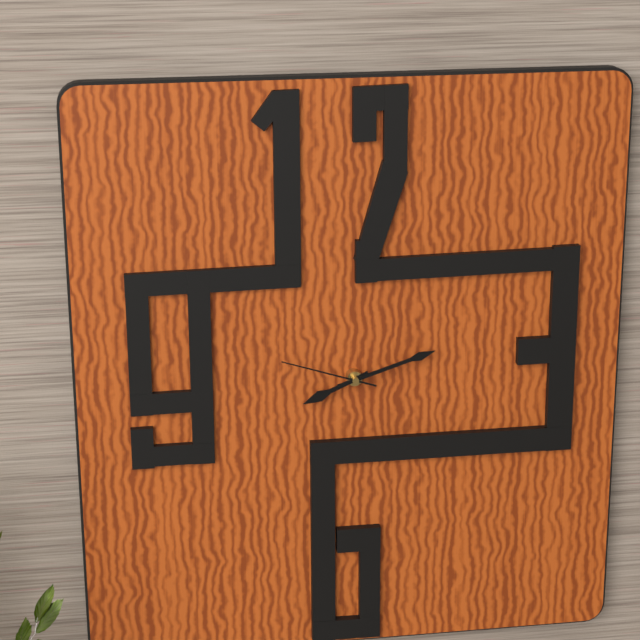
8 h 12 min 48 s
